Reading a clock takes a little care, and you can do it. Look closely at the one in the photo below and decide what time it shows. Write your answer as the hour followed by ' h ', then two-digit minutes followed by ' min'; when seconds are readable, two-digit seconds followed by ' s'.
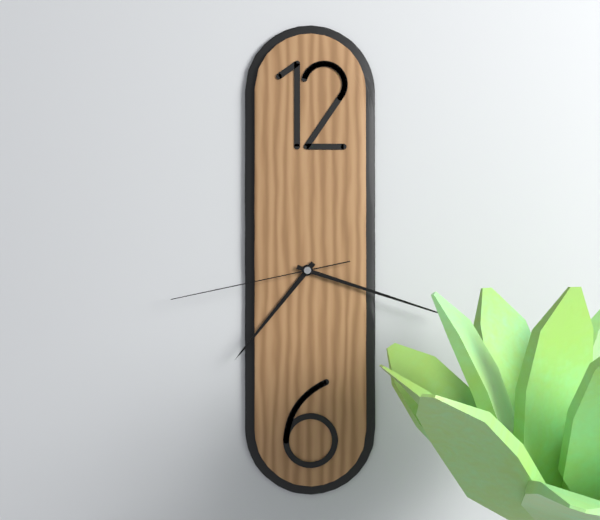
7 h 18 min 43 s
